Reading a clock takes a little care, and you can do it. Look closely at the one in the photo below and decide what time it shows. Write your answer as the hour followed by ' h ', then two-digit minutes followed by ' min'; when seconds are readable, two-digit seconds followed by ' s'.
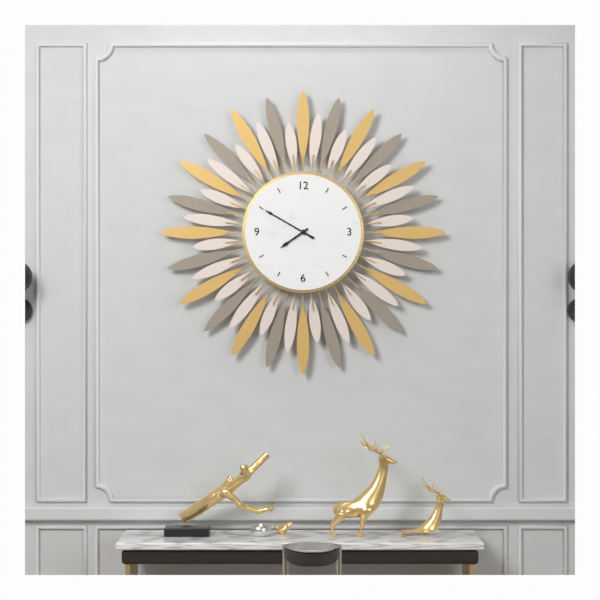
7 h 50 min
